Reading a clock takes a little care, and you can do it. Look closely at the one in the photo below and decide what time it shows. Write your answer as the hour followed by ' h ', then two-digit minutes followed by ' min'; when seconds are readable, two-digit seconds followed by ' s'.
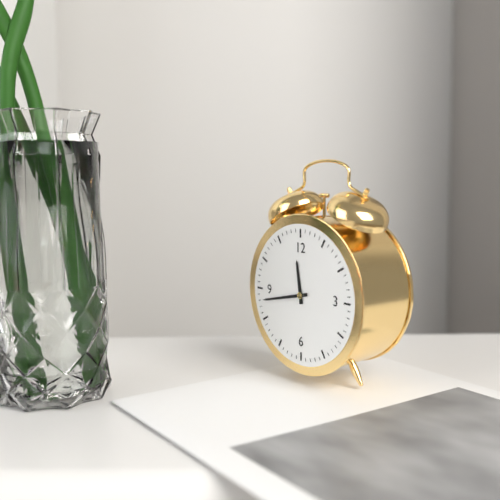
11 h 43 min
